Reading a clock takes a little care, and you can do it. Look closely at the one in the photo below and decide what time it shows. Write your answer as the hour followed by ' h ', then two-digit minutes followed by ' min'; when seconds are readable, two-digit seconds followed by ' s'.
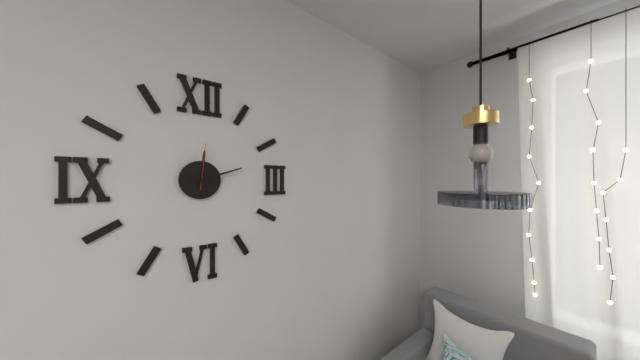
12 h 12 min
